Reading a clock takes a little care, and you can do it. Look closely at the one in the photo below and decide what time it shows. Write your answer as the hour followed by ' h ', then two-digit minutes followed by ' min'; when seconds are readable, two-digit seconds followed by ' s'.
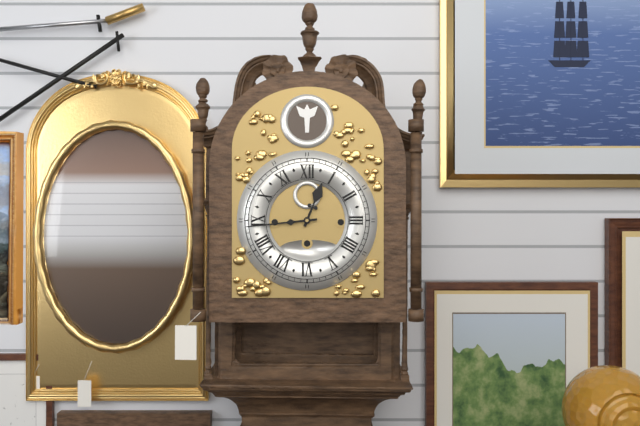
12 h 44 min
